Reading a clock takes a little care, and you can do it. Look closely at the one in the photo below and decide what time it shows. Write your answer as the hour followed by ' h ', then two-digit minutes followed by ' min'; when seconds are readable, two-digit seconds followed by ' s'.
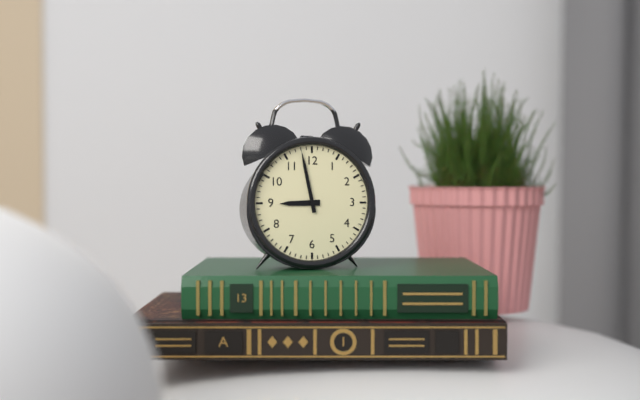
8 h 58 min
